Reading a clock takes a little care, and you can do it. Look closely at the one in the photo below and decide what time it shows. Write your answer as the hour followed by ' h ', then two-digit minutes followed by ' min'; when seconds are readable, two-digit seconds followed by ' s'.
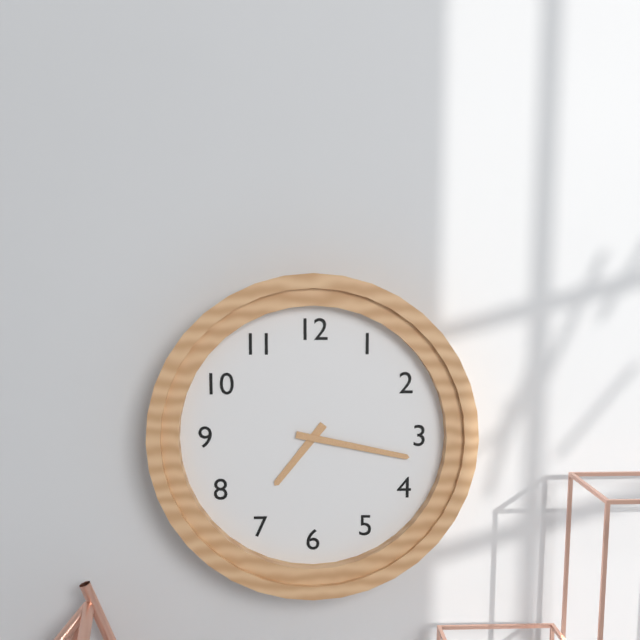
7 h 17 min
